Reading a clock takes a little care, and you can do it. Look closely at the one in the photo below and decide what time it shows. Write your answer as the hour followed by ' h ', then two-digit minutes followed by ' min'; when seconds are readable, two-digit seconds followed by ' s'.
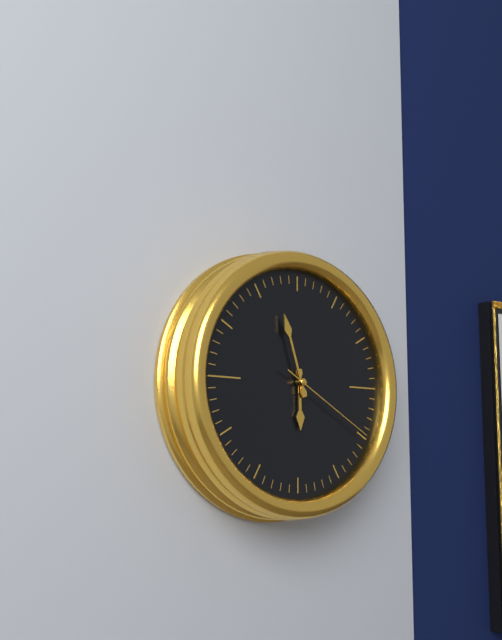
5 h 57 min 20 s
